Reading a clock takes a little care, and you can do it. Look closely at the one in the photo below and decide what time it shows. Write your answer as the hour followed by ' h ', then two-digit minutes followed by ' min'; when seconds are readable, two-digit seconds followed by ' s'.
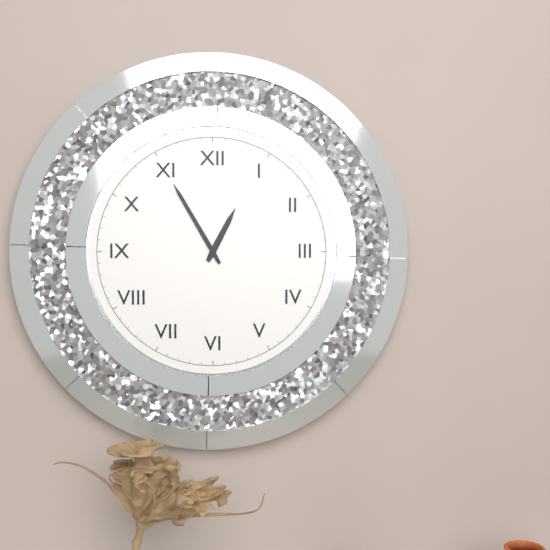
12 h 55 min
